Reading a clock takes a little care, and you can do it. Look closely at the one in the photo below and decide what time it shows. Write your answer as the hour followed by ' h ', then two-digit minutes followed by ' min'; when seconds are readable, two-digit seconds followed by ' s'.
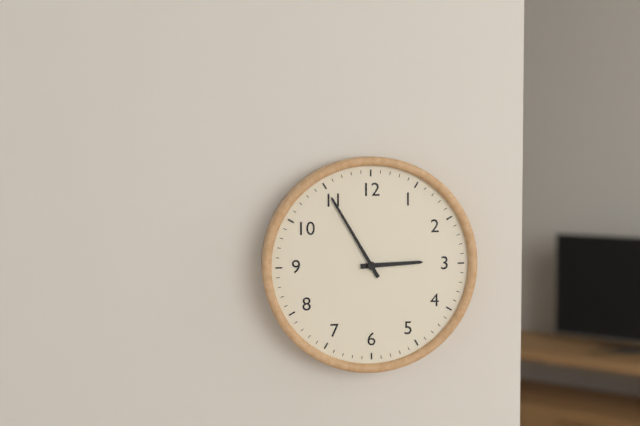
2 h 55 min
